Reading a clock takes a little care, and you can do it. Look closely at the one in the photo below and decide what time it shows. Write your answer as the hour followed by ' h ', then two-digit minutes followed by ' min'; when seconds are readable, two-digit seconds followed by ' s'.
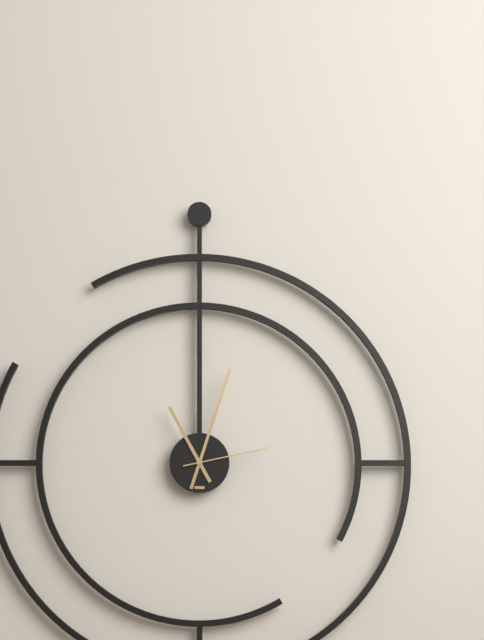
11 h 03 min 13 s
